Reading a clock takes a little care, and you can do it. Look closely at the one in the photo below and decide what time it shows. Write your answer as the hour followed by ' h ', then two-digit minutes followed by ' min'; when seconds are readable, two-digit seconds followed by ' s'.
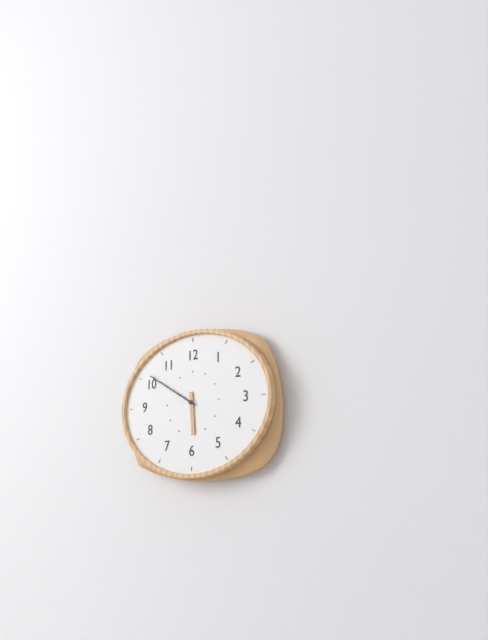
5 h 50 min
